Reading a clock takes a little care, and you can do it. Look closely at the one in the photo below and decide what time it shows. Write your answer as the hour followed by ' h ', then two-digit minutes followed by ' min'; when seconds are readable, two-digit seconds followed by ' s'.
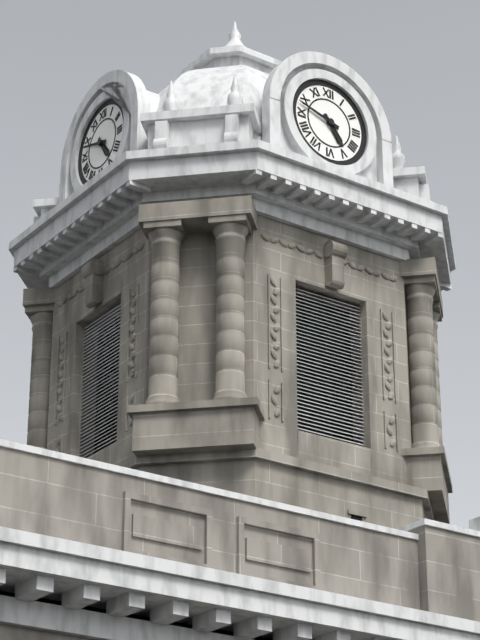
4 h 48 min
